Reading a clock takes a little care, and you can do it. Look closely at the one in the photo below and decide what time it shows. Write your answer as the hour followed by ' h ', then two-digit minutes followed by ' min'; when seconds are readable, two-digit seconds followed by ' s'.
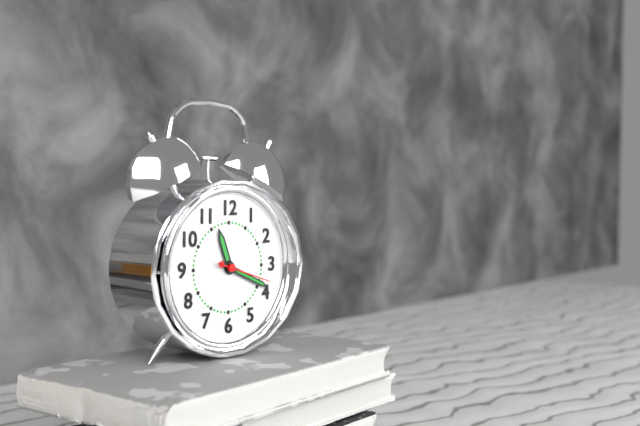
11 h 19 min 18 s
